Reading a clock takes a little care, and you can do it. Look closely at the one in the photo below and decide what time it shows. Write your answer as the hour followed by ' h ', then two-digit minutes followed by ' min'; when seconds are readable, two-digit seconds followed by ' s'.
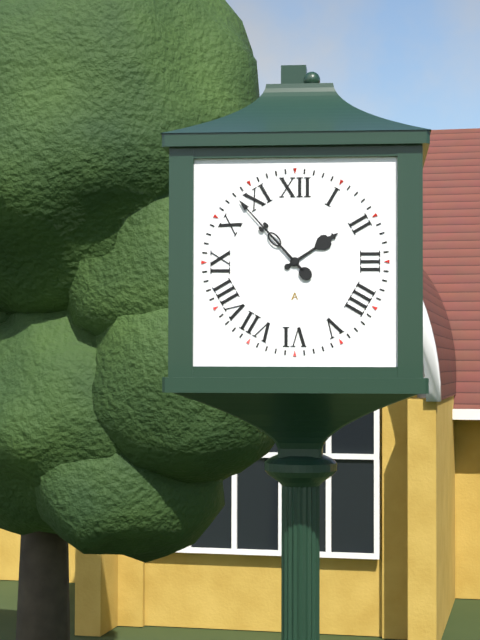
1 h 53 min
